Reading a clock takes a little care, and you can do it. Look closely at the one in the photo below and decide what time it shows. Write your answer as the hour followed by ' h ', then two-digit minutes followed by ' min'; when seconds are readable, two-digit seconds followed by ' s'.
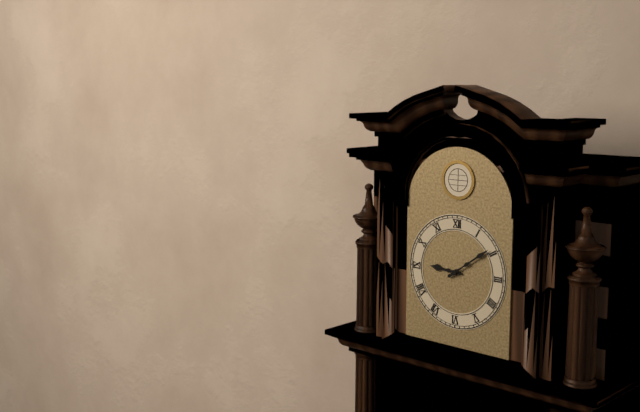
9 h 09 min
